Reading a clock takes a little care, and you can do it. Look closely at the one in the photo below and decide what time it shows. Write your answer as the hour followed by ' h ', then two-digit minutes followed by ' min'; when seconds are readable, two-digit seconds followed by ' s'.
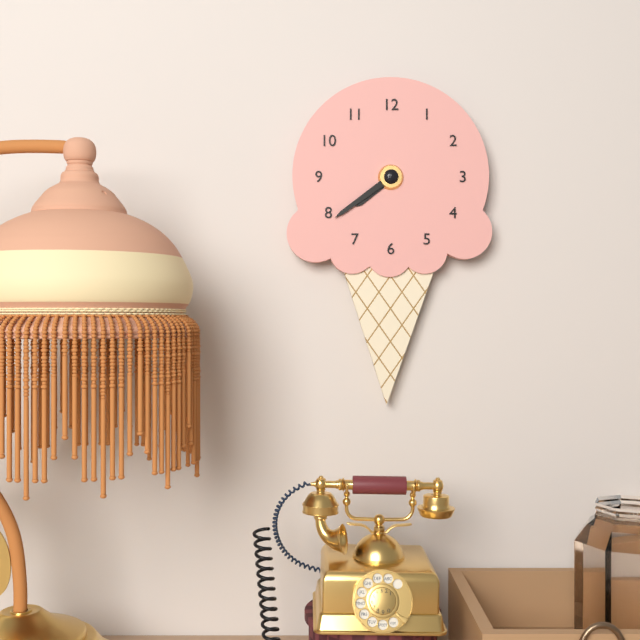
7 h 39 min
